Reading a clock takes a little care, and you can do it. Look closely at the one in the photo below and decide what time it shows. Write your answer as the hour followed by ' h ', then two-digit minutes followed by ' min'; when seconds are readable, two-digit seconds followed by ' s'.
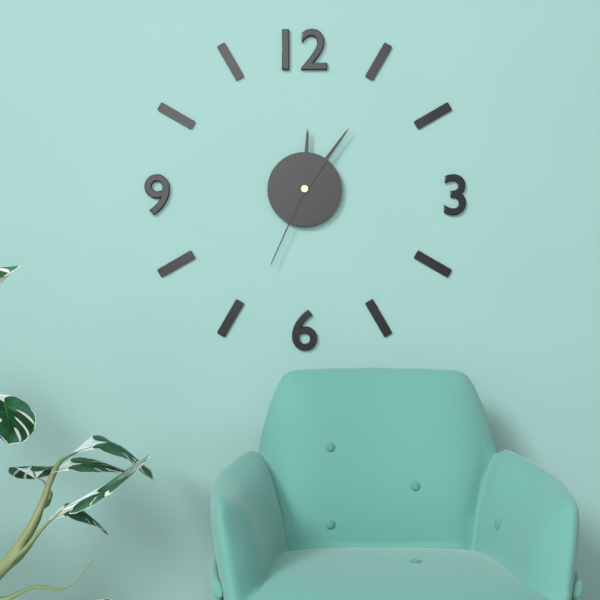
12 h 06 min 34 s
